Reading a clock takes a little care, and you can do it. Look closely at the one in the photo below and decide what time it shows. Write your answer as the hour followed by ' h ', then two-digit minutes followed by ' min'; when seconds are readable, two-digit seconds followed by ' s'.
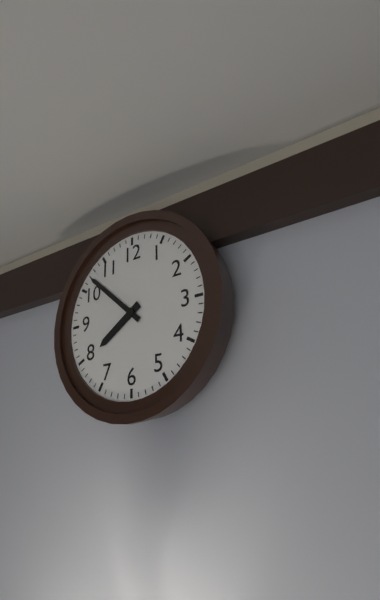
7 h 52 min
